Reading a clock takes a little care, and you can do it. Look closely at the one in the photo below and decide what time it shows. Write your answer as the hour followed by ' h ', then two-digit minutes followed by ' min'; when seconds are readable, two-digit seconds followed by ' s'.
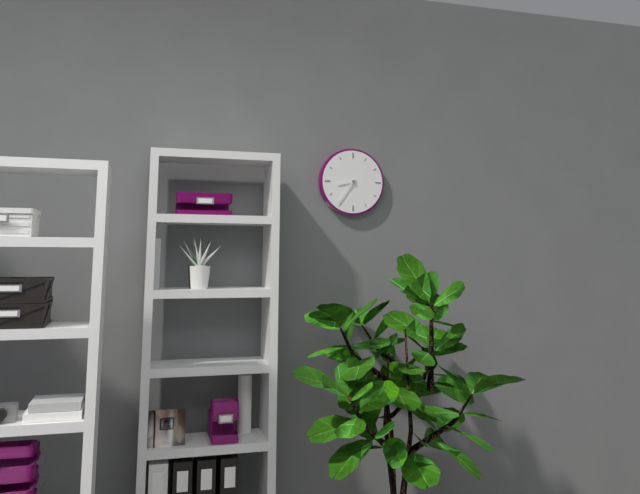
8 h 36 min
